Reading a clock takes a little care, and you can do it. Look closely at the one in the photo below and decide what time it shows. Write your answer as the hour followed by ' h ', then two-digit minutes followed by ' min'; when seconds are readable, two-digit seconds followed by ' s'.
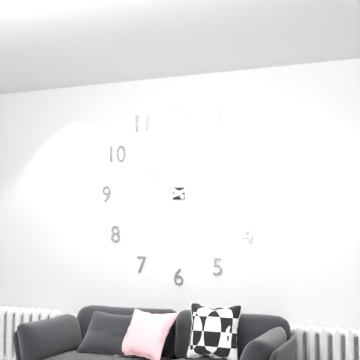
10 h 11 min
